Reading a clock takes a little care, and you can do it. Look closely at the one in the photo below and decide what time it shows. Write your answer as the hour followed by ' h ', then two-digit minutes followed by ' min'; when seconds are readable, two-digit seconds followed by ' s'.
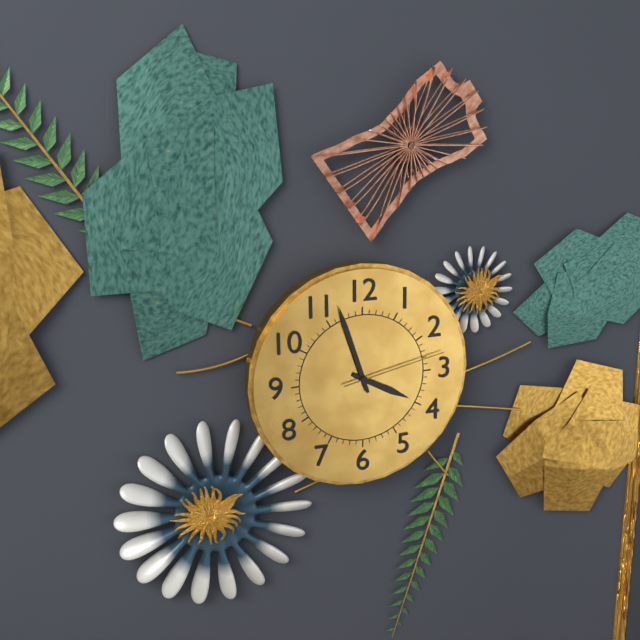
3 h 57 min 13 s
